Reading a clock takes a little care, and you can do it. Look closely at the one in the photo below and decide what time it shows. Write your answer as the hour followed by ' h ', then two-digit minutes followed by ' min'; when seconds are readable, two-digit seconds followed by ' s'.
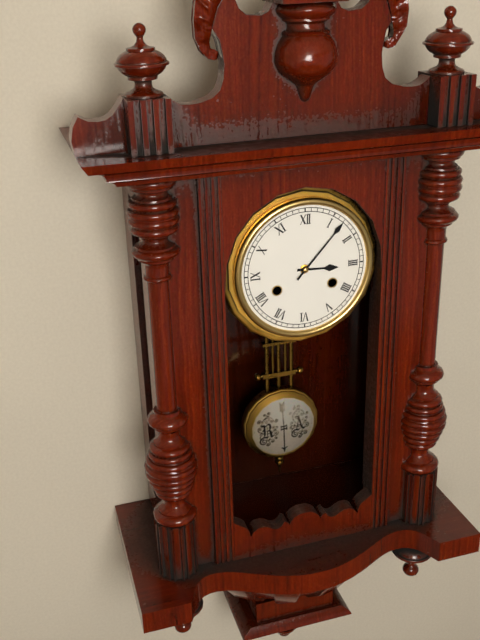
3 h 07 min
